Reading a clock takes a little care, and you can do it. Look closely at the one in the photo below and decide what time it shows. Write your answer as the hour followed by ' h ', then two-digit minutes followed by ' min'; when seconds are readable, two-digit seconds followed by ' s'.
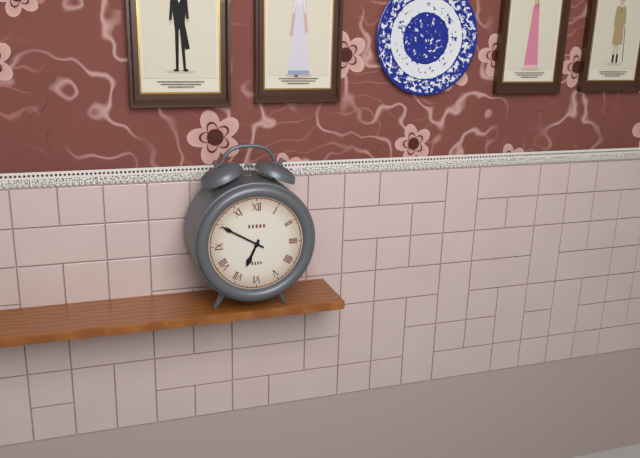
6 h 50 min
